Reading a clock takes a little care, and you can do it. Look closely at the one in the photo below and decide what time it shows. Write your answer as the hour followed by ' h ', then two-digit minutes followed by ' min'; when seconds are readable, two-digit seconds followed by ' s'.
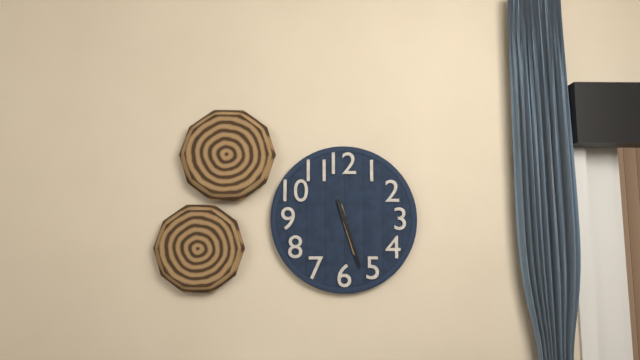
5 h 27 min
